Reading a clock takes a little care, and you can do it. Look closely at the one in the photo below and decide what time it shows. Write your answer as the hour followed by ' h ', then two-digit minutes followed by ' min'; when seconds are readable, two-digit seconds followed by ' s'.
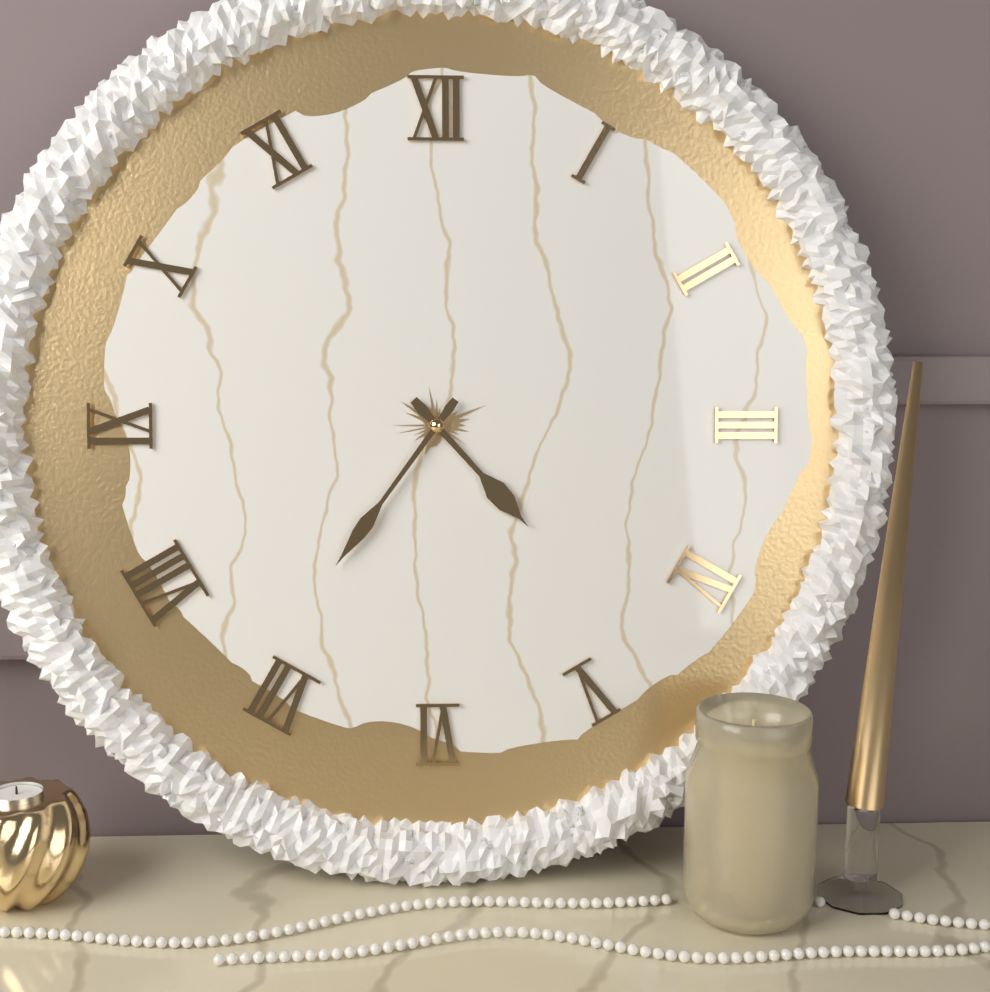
4 h 36 min
